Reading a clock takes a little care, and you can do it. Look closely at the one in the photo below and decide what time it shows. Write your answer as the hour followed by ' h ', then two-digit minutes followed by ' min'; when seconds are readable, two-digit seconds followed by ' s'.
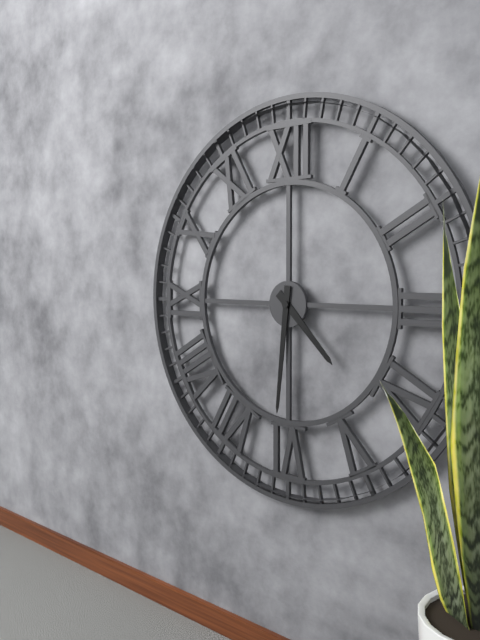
4 h 31 min
